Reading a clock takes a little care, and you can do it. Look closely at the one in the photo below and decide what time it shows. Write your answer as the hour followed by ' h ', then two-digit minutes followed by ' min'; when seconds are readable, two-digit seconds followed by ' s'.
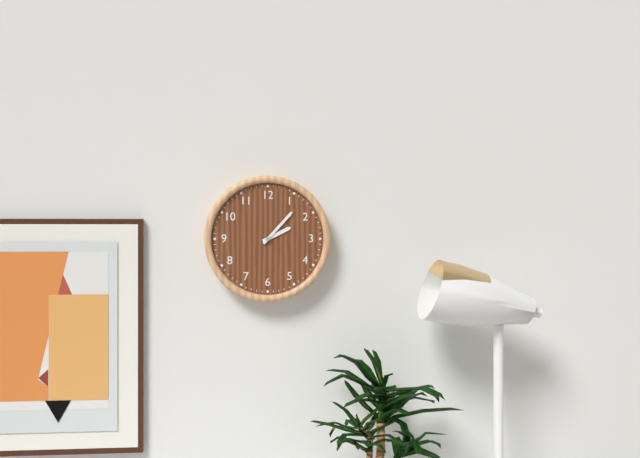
2 h 07 min
